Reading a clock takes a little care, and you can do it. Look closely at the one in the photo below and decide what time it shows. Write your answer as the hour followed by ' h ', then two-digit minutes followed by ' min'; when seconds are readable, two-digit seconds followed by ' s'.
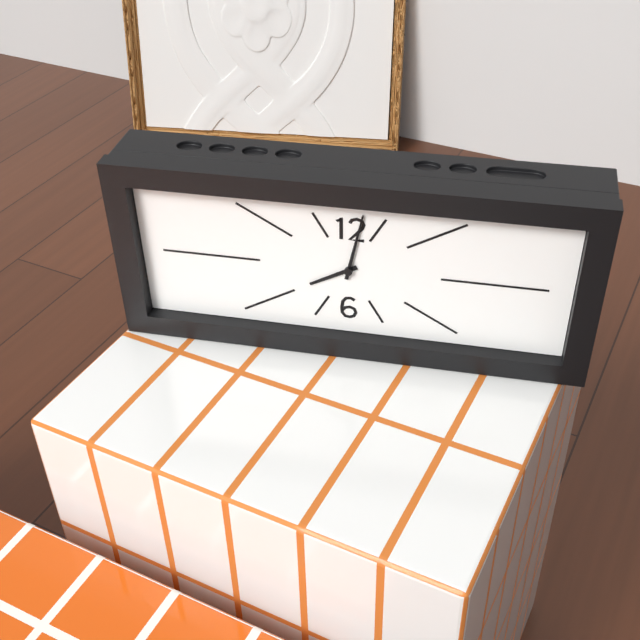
8 h 02 min
